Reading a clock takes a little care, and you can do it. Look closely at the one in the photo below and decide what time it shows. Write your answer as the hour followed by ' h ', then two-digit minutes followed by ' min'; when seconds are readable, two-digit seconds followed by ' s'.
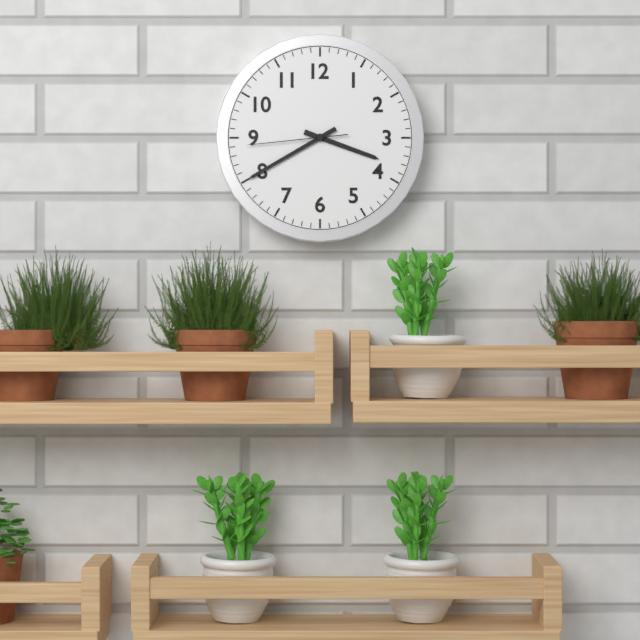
3 h 40 min 44 s
